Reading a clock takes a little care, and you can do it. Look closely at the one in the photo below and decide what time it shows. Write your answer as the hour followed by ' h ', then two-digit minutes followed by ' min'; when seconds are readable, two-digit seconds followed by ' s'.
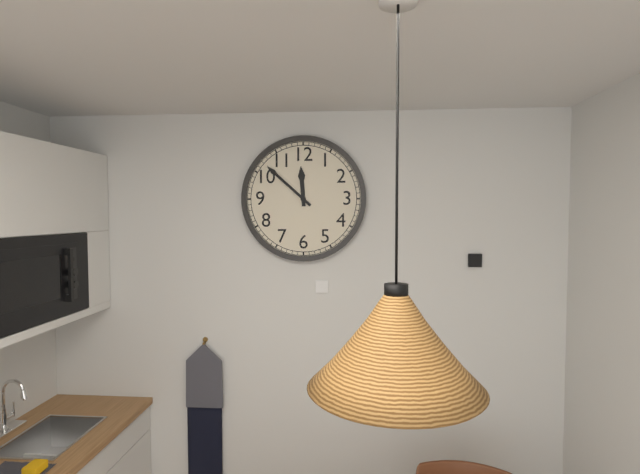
11 h 52 min
